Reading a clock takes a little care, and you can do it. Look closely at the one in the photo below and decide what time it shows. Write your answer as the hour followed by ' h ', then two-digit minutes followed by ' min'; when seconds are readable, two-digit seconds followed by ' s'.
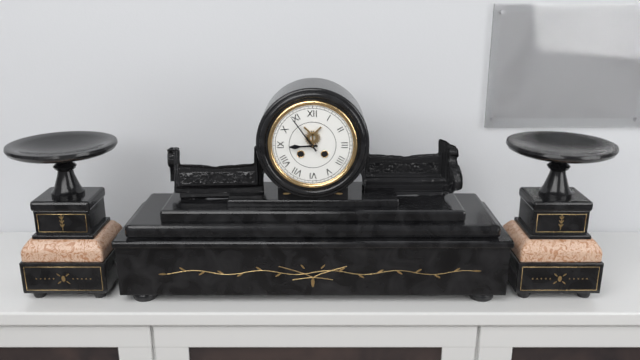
8 h 54 min
